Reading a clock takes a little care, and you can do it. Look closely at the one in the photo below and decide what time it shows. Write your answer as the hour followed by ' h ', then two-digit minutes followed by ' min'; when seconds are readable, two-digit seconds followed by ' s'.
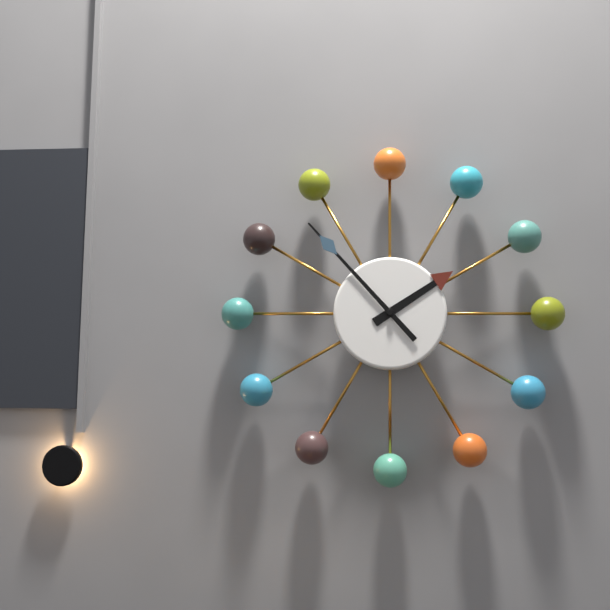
1 h 53 min
